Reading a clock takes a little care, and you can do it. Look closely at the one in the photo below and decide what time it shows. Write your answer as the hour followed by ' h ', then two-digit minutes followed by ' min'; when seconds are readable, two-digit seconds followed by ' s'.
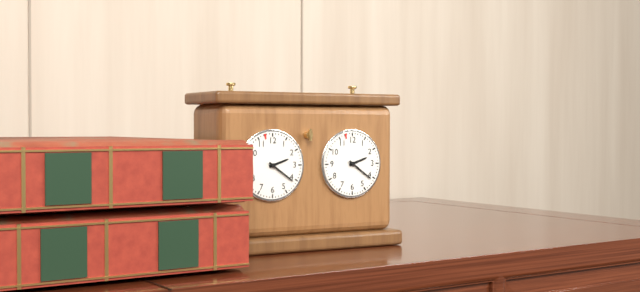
2 h 21 min
